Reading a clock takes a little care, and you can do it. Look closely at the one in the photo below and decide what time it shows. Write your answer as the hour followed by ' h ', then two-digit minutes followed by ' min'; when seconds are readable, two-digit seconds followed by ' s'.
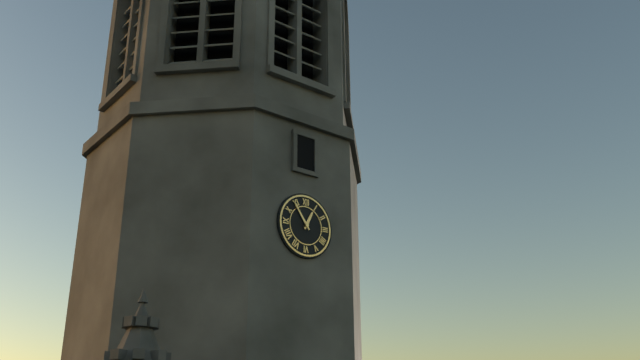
12 h 54 min
